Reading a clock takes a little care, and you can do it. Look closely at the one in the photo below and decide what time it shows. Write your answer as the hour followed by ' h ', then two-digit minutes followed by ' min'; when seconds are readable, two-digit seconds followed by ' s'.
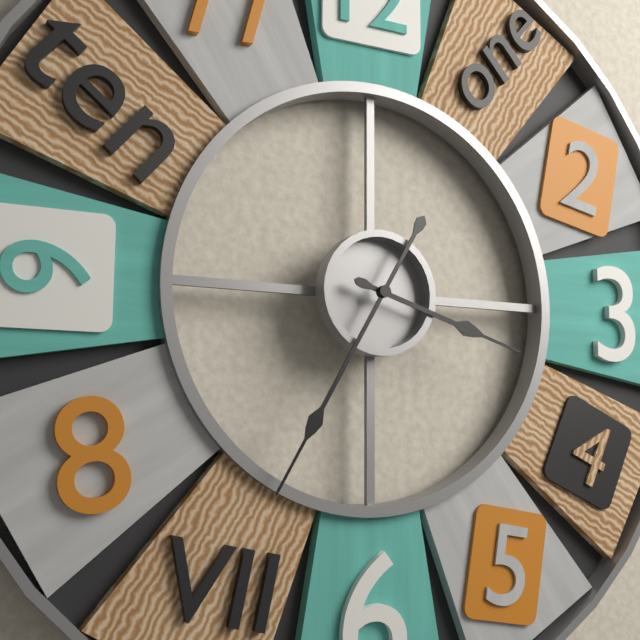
3 h 35 min
